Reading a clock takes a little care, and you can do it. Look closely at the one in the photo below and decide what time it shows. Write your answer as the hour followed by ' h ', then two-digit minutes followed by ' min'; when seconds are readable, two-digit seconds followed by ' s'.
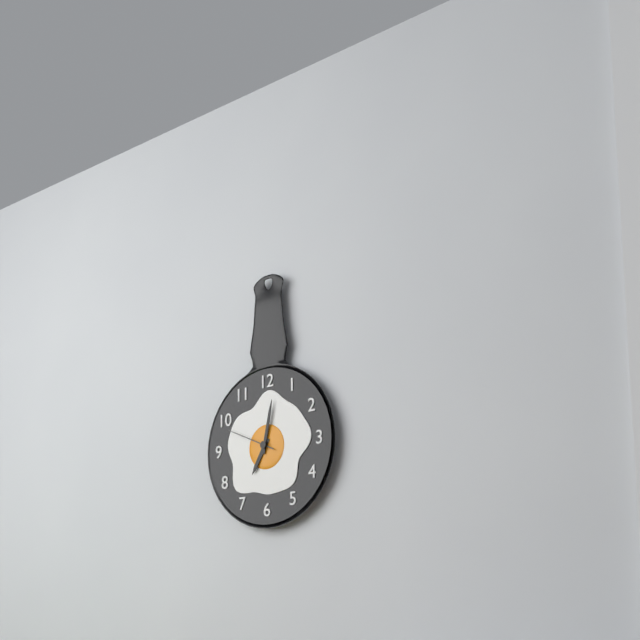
7 h 02 min
